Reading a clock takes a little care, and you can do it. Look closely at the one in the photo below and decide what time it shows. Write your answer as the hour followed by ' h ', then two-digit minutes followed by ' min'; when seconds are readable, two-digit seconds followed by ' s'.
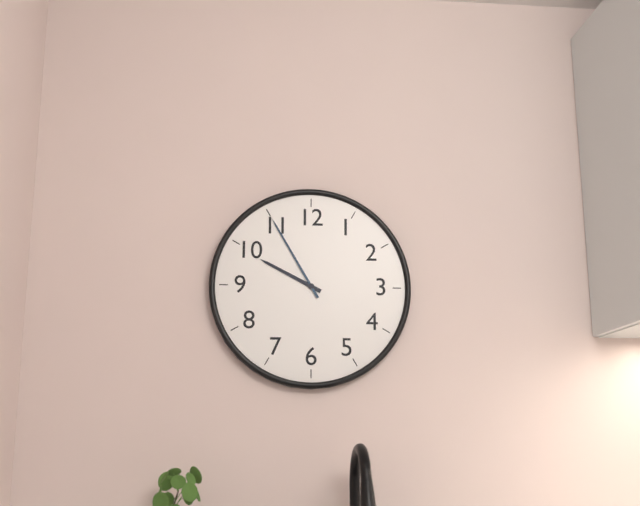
9 h 55 min
